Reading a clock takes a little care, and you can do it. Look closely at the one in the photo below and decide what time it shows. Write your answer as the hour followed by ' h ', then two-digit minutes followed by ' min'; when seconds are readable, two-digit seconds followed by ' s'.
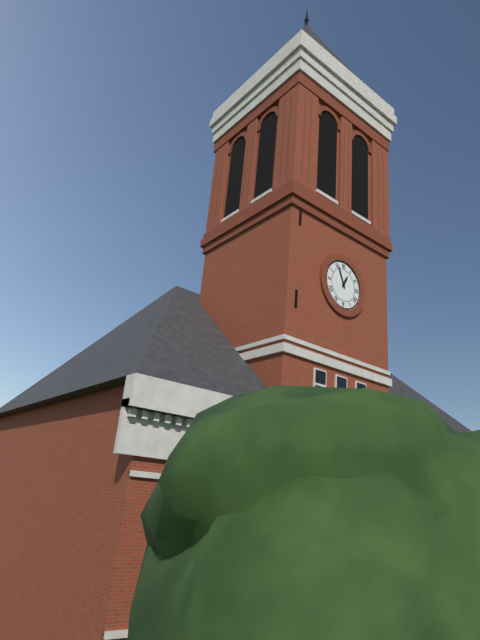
12 h 56 min
